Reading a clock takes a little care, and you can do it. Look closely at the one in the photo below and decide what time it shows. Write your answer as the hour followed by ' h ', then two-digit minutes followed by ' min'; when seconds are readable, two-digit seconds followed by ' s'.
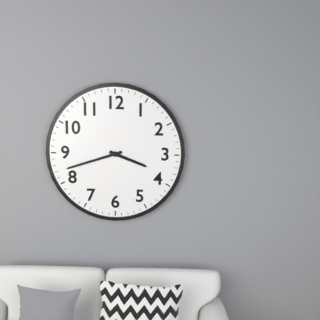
3 h 42 min
